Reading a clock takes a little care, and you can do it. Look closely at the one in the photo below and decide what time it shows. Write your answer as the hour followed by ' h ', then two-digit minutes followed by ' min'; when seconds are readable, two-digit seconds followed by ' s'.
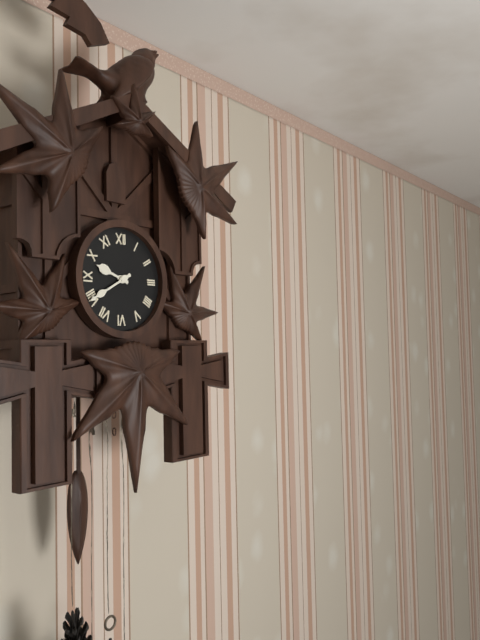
9 h 40 min
